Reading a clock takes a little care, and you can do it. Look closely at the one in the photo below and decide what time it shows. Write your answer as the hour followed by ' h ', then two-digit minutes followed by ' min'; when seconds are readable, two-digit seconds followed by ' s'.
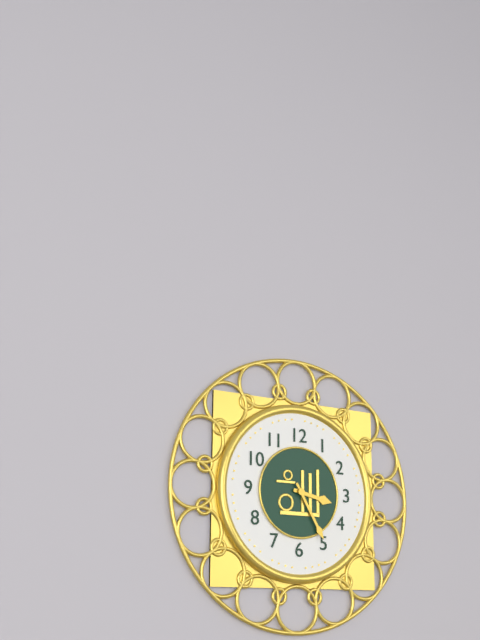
3 h 25 min
